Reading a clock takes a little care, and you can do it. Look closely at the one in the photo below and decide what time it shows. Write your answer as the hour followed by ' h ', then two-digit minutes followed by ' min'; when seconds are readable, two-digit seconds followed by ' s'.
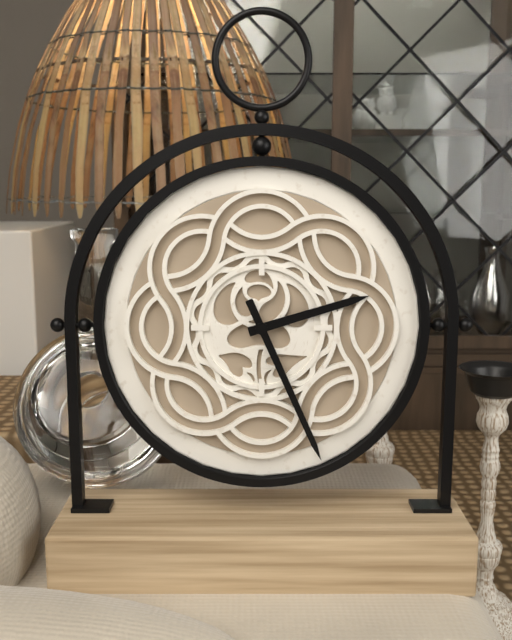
2 h 26 min
